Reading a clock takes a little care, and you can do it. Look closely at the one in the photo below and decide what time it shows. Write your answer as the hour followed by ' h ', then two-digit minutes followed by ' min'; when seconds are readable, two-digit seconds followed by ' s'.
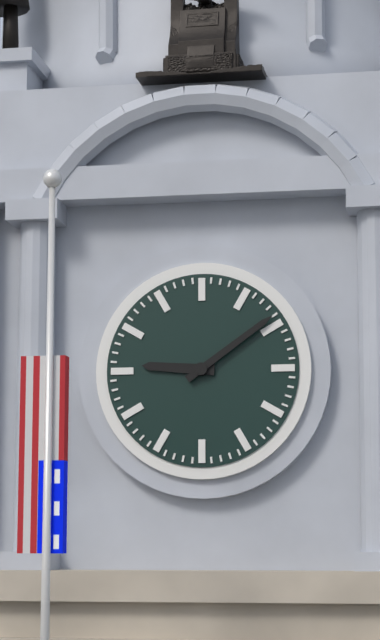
9 h 09 min
